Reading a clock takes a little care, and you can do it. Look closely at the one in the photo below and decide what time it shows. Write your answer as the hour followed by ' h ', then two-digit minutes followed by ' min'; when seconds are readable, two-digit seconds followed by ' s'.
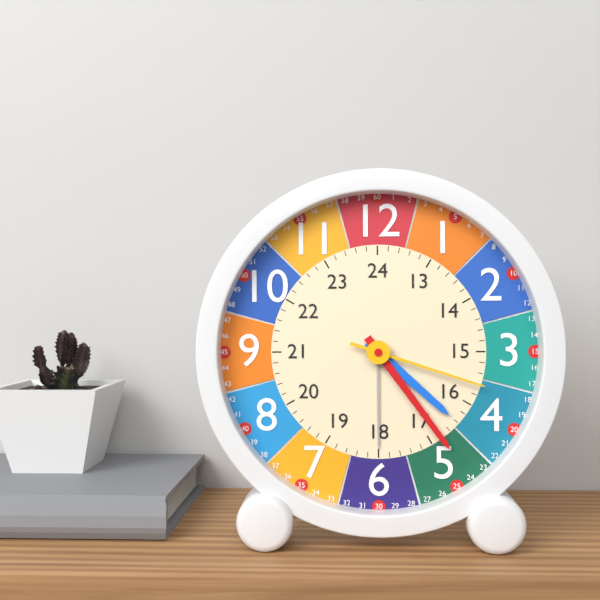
4 h 24 min 18 s
